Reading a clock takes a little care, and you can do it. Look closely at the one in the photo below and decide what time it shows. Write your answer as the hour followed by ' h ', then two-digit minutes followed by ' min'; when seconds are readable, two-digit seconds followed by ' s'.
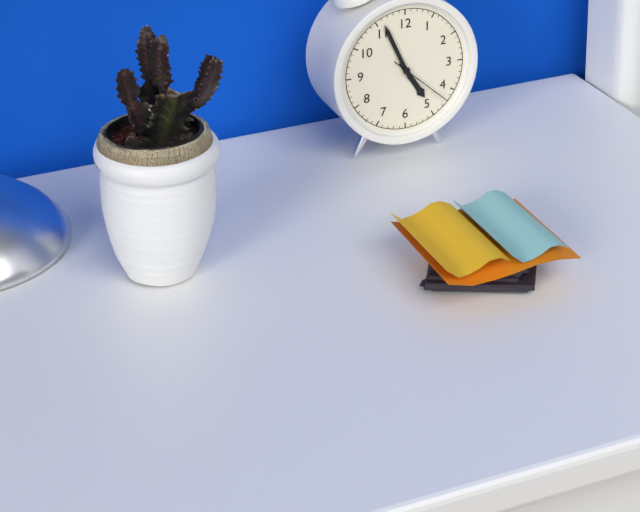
4 h 56 min 22 s
